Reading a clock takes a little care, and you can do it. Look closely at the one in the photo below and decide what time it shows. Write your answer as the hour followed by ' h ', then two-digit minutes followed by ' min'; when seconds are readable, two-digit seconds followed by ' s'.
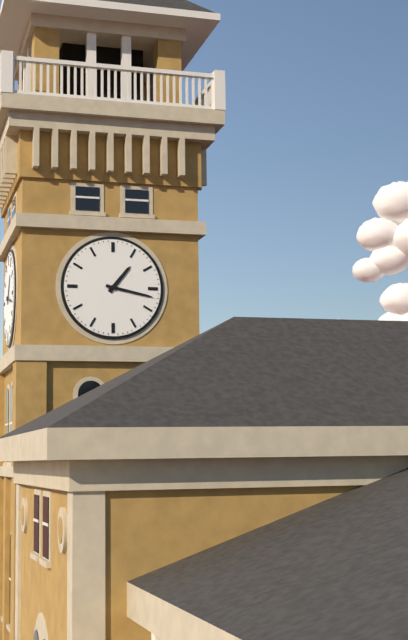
1 h 17 min
